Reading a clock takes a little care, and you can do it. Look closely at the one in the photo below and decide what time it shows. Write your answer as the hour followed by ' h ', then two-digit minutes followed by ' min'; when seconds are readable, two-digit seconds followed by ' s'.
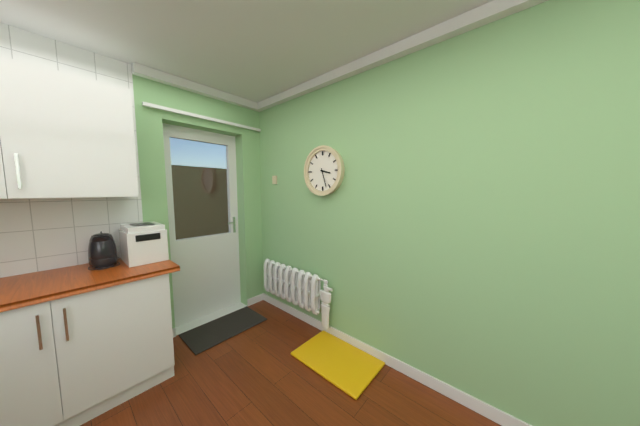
3 h 27 min
